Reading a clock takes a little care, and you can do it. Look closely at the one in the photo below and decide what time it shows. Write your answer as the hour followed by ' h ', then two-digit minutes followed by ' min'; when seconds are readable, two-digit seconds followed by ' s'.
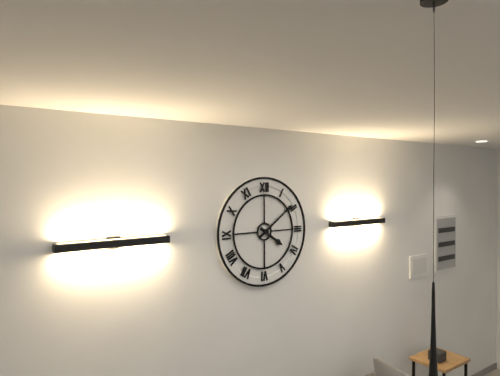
4 h 09 min
